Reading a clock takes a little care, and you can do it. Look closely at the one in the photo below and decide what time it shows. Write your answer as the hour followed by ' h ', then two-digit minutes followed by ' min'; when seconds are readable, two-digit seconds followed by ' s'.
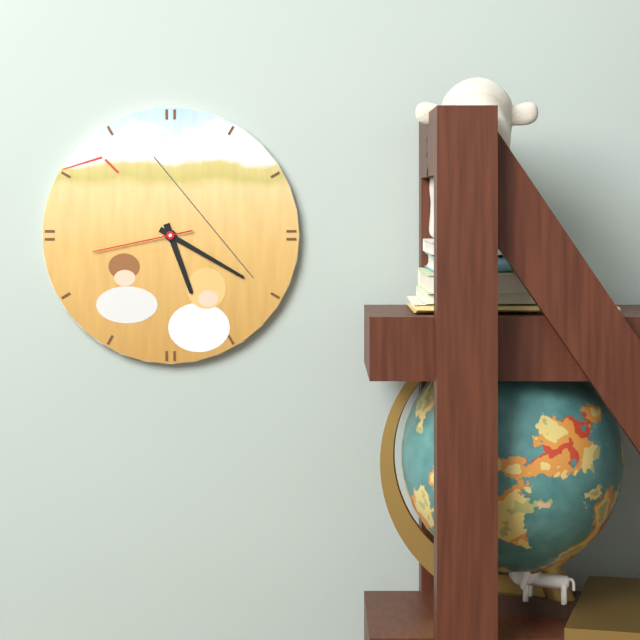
5 h 20 min 43 s
